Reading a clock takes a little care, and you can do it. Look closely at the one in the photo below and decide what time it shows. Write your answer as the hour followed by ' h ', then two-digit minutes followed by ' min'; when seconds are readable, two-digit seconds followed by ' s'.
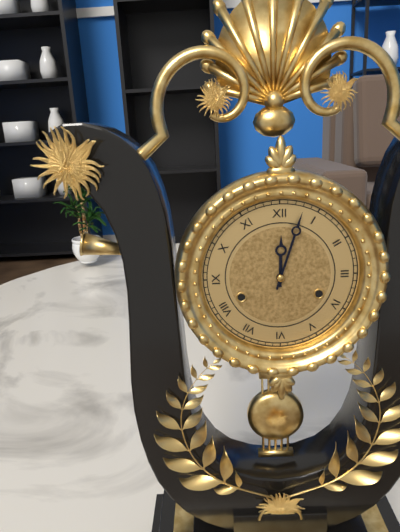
12 h 03 min
